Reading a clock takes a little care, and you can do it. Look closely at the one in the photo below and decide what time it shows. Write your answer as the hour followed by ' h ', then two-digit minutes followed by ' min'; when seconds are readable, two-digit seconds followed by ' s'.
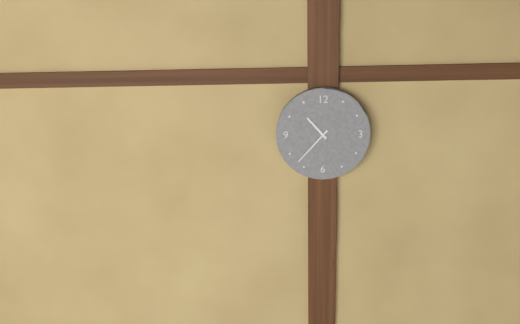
10 h 37 min
